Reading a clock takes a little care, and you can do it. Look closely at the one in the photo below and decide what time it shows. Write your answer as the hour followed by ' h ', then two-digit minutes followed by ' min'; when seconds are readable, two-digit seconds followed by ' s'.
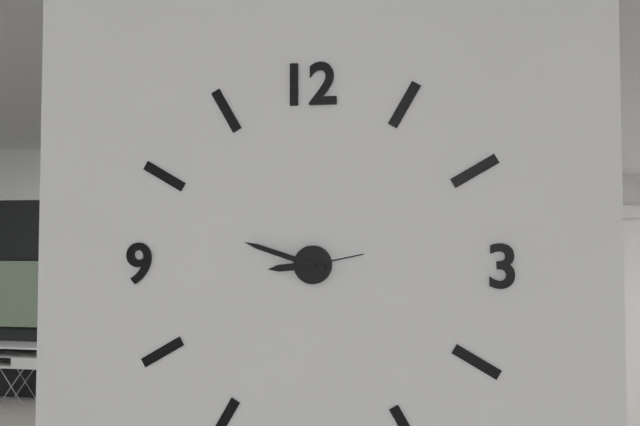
8 h 48 min 13 s
